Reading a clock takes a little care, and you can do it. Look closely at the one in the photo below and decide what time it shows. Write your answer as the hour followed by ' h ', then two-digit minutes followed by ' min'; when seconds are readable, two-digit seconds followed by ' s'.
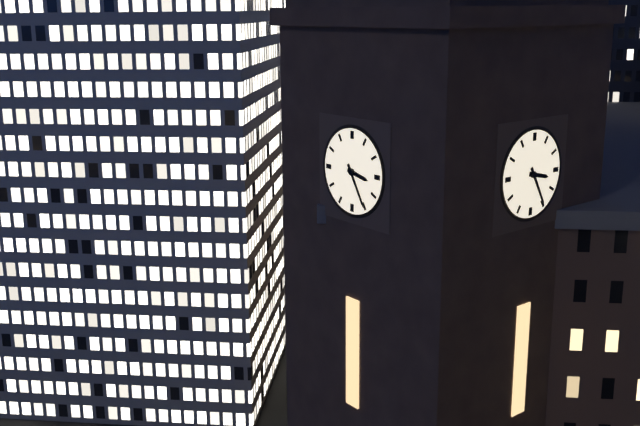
3 h 25 min
